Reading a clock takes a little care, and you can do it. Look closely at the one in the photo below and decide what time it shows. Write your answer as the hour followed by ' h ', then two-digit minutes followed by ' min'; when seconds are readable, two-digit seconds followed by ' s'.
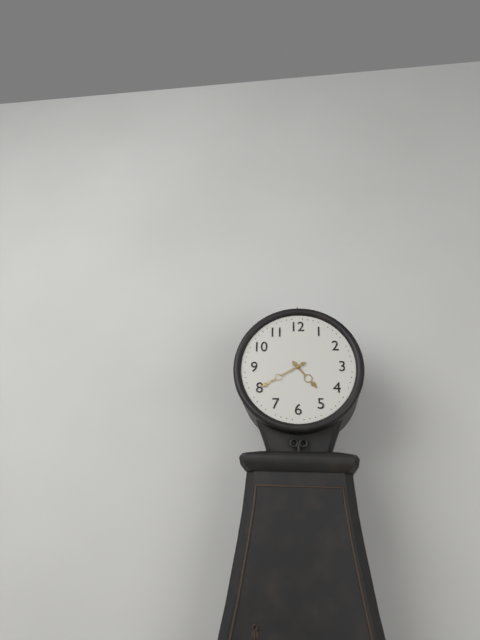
4 h 40 min
